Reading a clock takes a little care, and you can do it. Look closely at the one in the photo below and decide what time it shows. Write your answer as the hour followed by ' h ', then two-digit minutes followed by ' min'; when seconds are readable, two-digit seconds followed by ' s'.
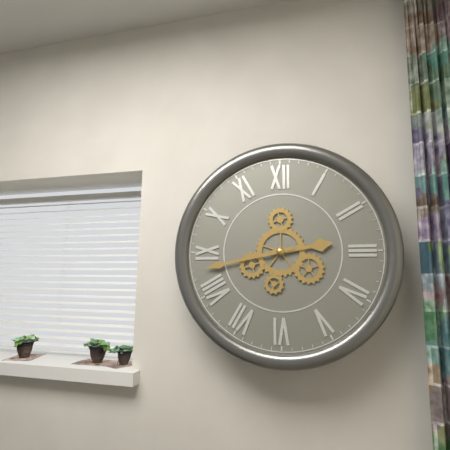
2 h 43 min
